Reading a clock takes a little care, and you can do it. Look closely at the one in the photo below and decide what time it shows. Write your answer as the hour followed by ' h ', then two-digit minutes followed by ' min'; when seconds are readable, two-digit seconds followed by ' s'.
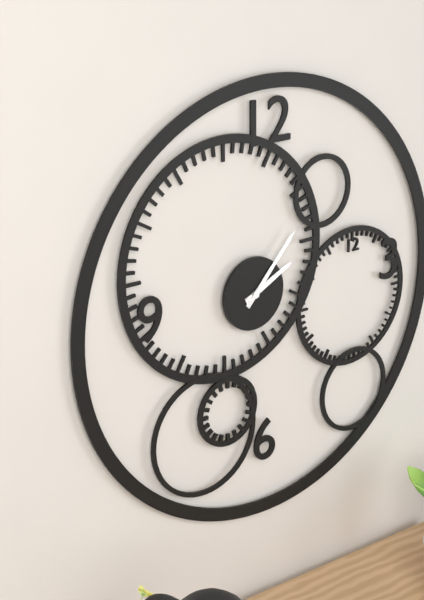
2 h 07 min
